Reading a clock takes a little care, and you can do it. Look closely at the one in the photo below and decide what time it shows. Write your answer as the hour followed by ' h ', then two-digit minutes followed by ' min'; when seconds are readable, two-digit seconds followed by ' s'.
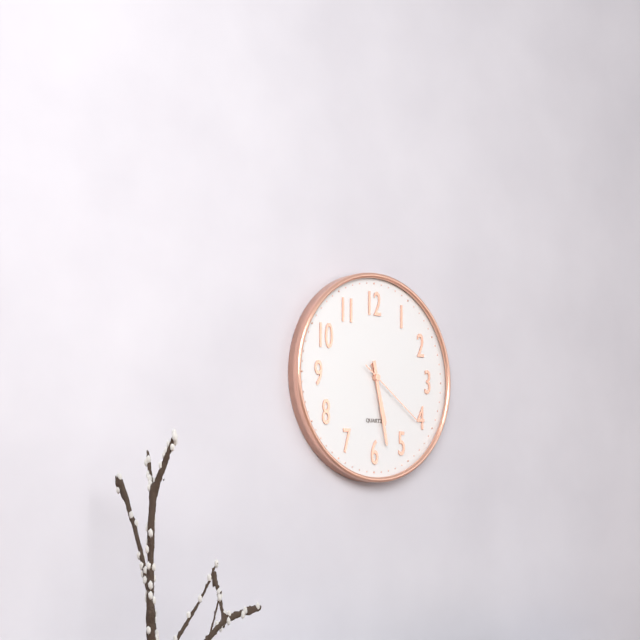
5 h 28 min 21 s
